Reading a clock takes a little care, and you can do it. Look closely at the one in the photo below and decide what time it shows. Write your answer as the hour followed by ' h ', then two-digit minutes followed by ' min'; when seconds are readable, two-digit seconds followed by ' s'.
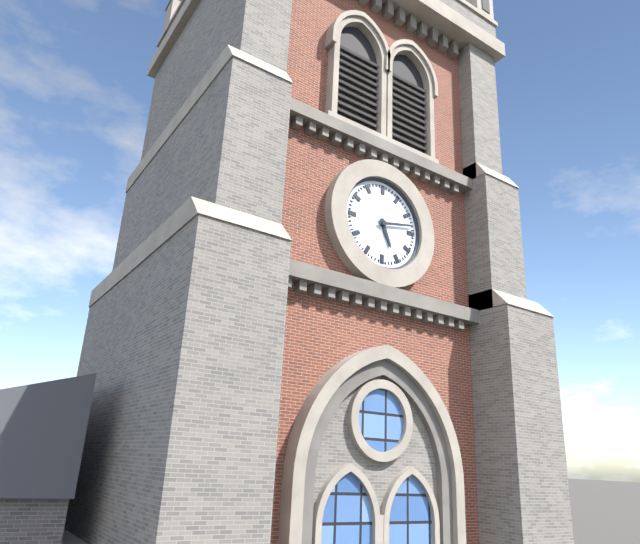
5 h 13 min
